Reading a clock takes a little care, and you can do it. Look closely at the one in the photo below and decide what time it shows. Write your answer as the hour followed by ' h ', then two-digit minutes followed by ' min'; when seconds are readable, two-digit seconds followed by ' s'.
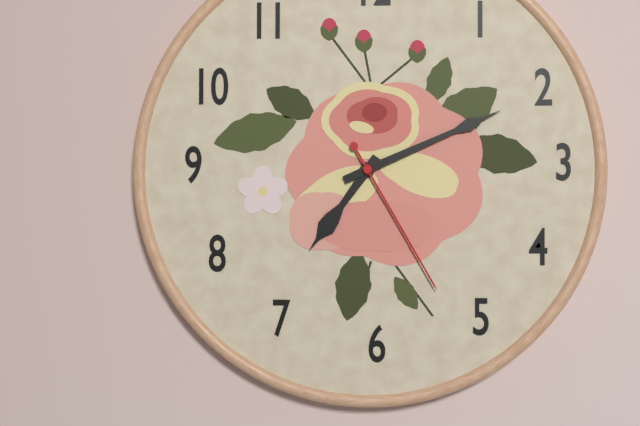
7 h 11 min 25 s
